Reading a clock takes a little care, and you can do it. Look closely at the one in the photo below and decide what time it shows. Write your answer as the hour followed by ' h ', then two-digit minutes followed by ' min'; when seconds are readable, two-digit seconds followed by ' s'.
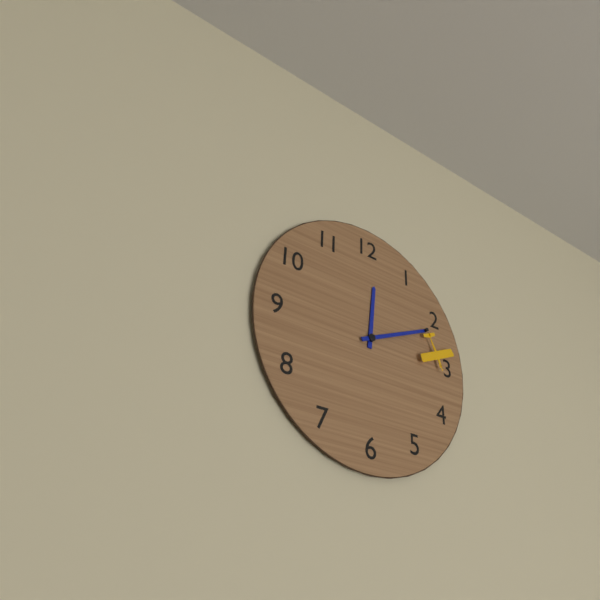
12 h 11 min
